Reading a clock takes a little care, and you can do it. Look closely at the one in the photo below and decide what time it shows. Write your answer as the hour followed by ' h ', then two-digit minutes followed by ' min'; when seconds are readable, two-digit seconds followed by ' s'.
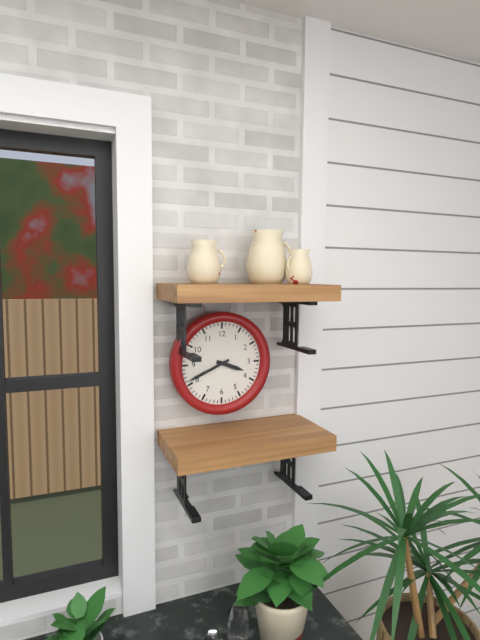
3 h 41 min
